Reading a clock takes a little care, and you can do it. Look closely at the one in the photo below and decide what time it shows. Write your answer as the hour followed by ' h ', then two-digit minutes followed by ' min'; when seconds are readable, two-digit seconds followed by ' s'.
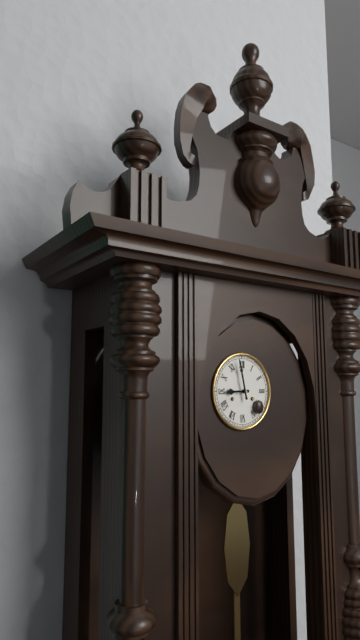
8 h 58 min
